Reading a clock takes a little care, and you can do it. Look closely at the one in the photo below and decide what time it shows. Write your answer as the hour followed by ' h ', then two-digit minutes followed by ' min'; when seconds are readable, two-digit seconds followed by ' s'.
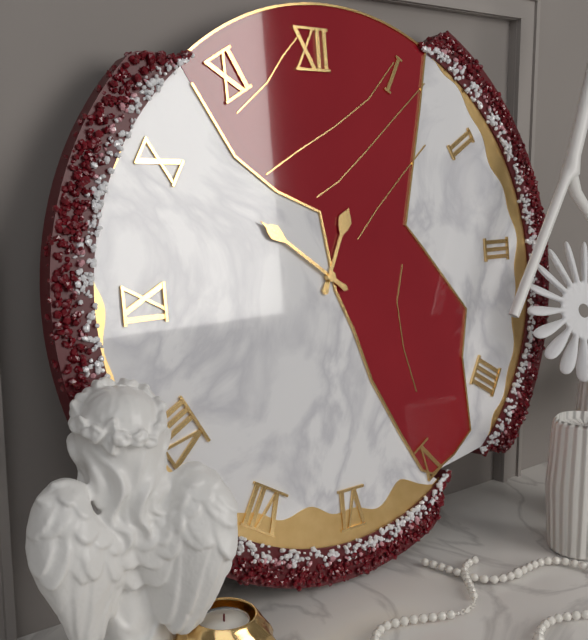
12 h 51 min
